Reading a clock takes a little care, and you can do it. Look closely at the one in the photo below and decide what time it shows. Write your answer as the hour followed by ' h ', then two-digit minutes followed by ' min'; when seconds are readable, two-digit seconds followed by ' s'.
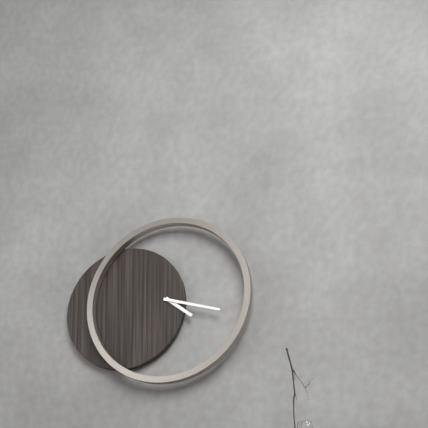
4 h 18 min
